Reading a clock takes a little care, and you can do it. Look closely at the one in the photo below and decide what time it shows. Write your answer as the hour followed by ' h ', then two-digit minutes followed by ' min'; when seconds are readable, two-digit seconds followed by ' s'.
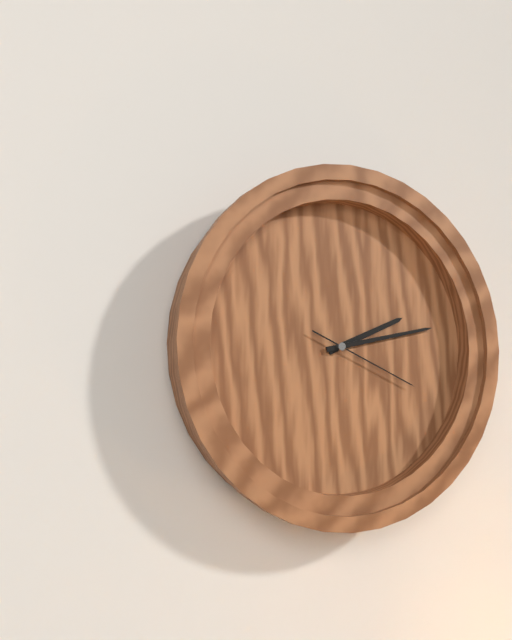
2 h 13 min 19 s
